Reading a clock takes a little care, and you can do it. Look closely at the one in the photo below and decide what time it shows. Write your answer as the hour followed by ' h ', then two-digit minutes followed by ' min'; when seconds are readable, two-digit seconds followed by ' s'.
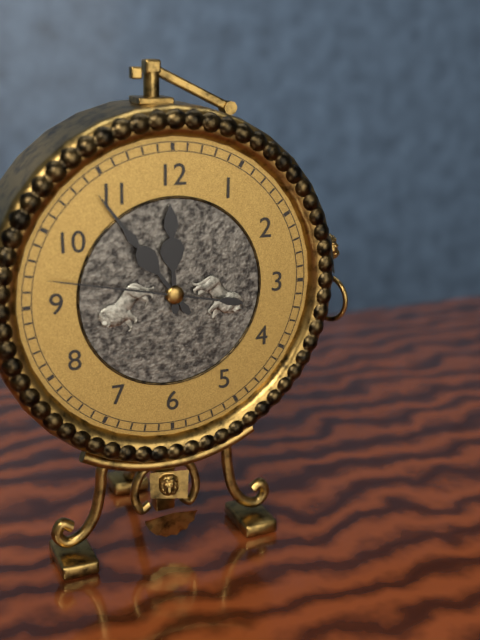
11 h 54 min 47 s
